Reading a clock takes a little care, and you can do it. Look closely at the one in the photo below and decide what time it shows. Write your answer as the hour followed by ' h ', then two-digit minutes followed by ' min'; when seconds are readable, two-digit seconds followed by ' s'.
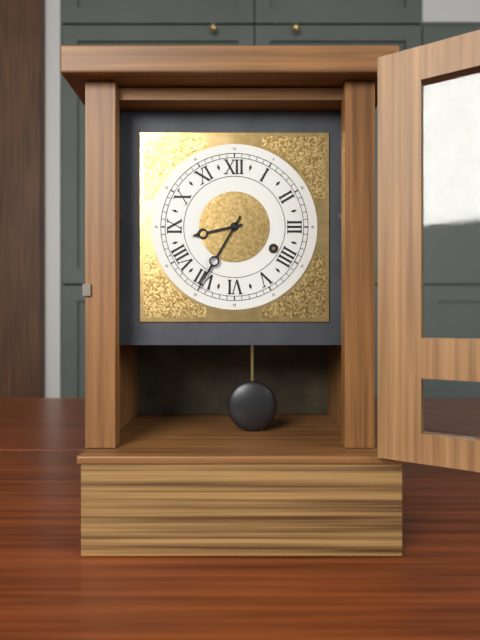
8 h 35 min
